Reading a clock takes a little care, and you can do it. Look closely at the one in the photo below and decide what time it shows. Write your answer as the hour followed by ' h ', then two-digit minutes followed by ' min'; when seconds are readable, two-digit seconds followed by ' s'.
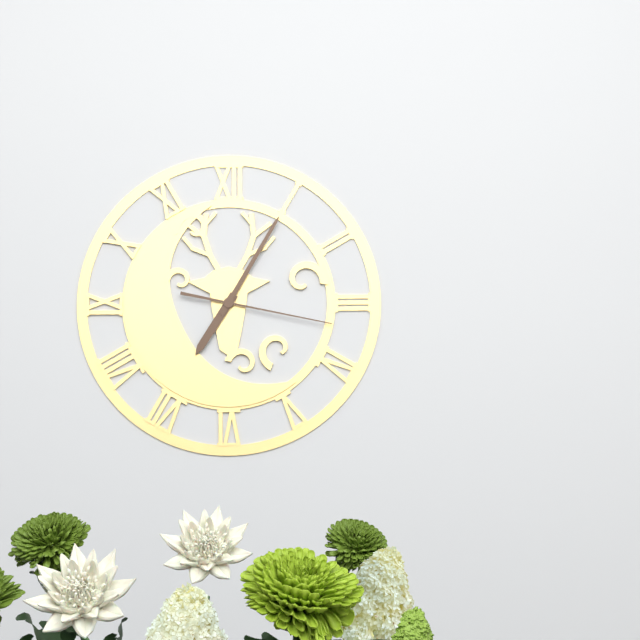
7 h 05 min 17 s
